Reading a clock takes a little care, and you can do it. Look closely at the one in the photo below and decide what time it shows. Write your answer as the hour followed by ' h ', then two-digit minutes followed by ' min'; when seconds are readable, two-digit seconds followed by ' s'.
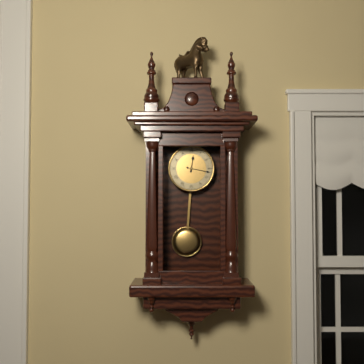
12 h 17 min
